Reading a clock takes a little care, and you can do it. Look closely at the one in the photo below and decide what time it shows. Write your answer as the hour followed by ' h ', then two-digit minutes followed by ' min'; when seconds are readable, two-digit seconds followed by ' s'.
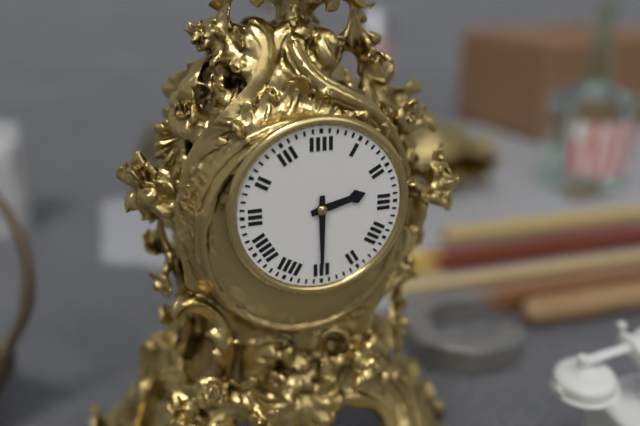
2 h 30 min
